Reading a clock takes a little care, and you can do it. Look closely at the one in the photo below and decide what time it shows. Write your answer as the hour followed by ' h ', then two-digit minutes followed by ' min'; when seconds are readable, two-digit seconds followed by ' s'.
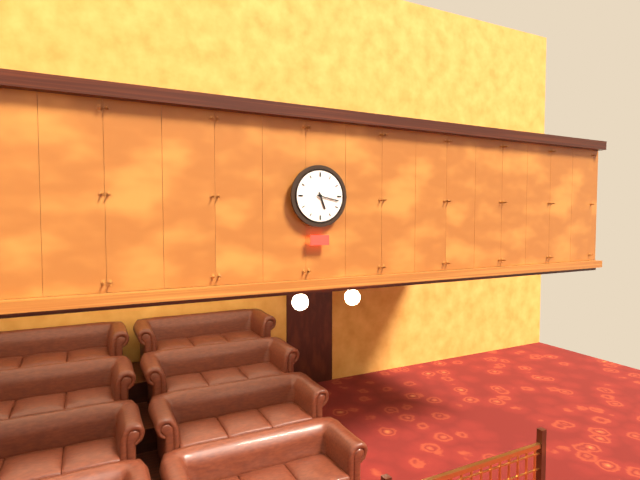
5 h 17 min
